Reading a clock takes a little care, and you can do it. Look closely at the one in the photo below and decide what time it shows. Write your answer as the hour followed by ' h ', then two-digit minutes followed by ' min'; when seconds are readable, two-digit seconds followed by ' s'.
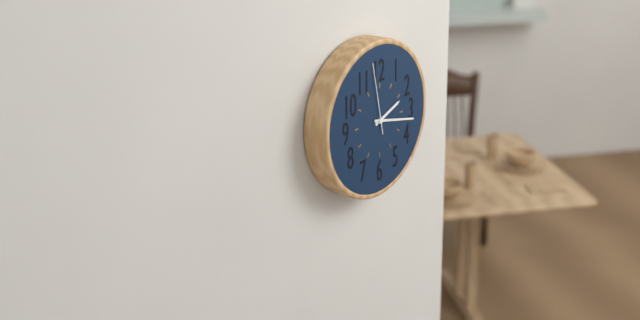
2 h 17 min 58 s
